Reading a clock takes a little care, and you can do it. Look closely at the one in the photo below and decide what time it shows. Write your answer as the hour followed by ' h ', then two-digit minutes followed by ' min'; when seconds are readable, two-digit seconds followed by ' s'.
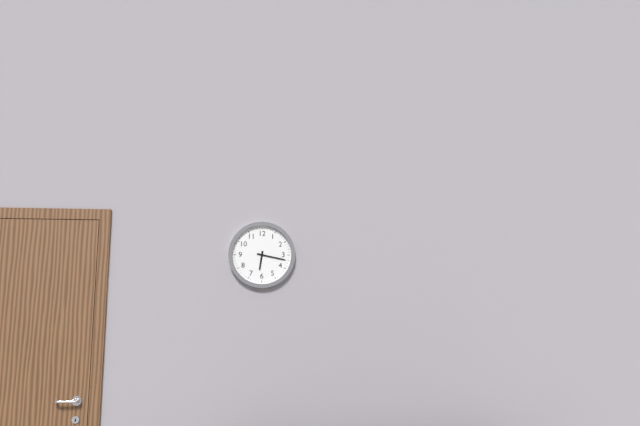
6 h 17 min
